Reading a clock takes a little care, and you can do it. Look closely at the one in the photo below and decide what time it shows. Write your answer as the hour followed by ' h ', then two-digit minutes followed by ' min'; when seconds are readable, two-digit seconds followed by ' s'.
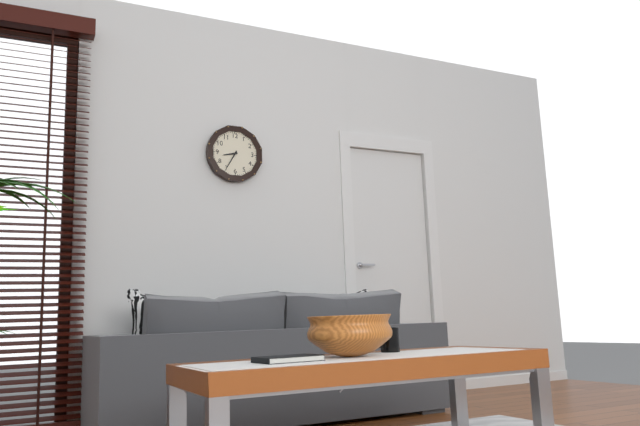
8 h 35 min
